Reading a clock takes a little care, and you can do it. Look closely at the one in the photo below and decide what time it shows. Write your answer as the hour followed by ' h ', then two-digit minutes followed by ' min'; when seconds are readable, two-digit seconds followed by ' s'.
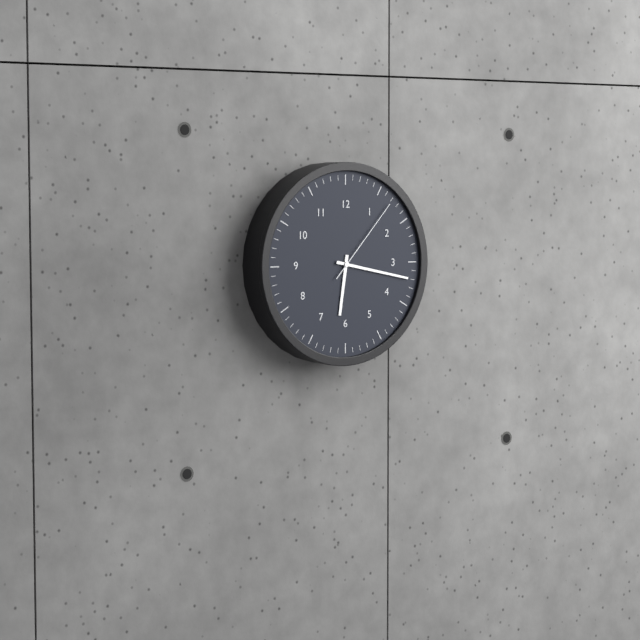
6 h 17 min 07 s
